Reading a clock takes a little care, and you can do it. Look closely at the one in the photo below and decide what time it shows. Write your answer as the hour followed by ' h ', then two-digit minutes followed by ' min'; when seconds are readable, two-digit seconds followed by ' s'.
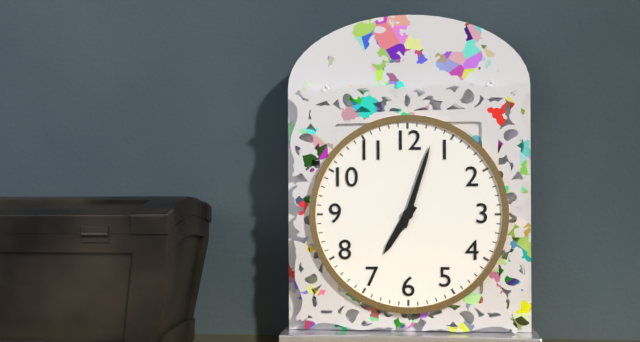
7 h 03 min
